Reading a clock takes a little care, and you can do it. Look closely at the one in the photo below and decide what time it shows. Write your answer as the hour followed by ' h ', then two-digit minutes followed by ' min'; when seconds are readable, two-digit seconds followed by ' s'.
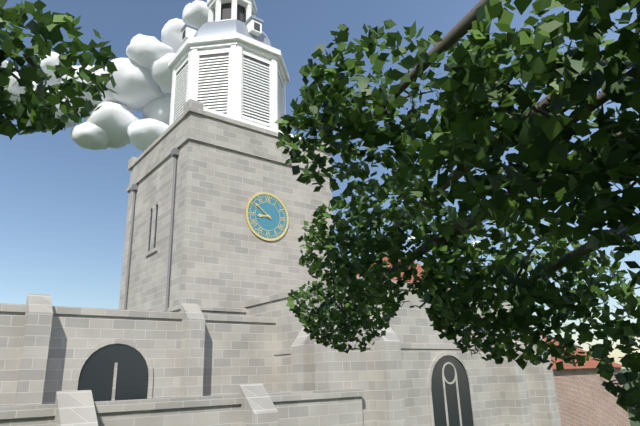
8 h 51 min
